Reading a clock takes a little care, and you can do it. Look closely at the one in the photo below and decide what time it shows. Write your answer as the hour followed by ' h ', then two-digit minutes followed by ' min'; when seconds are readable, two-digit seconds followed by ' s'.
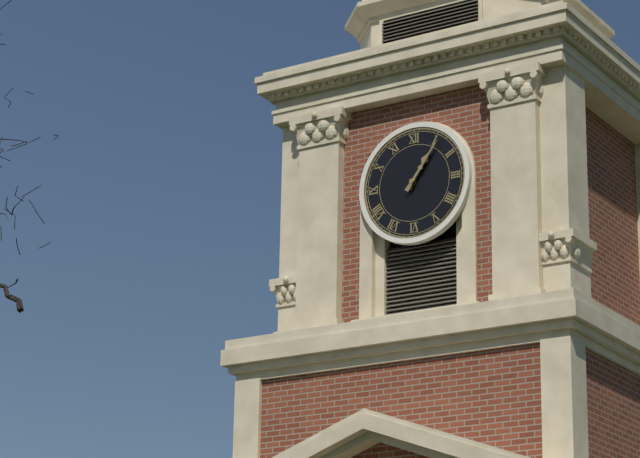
1 h 06 min
